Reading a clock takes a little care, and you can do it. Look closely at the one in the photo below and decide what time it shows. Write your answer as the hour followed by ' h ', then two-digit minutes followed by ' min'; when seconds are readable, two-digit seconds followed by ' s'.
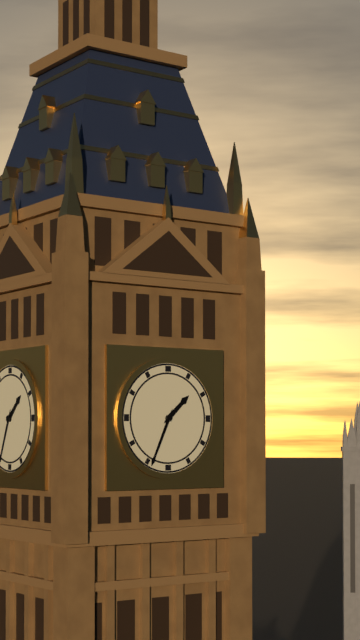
1 h 34 min
